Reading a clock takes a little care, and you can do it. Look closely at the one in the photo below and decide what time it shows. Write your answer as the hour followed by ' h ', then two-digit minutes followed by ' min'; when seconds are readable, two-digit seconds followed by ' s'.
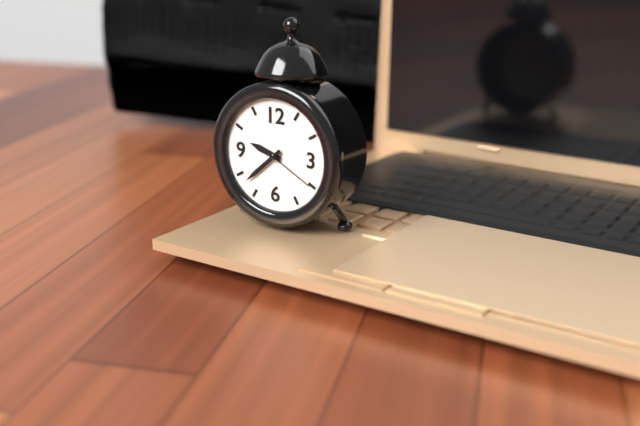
9 h 38 min 20 s
